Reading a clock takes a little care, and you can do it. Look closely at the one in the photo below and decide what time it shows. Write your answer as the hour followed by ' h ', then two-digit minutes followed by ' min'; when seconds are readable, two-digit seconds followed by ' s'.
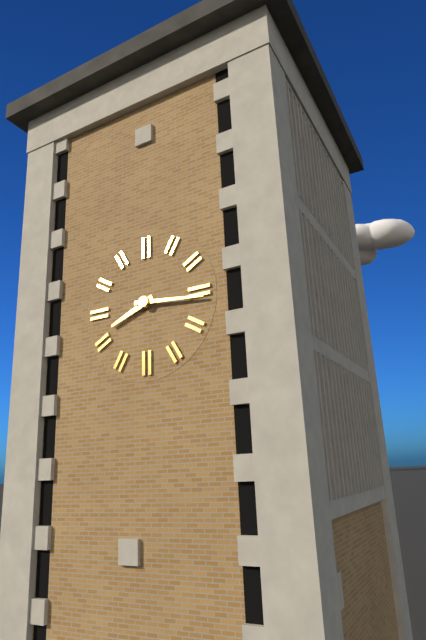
8 h 16 min
